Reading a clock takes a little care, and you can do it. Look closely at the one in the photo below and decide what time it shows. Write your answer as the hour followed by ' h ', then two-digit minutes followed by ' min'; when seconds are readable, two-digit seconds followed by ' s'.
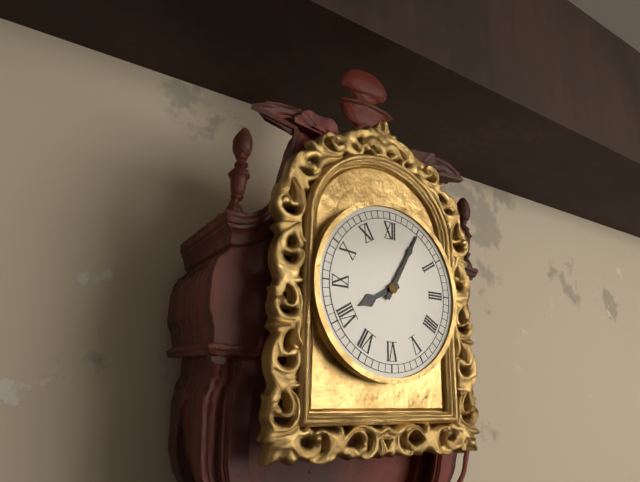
8 h 05 min
